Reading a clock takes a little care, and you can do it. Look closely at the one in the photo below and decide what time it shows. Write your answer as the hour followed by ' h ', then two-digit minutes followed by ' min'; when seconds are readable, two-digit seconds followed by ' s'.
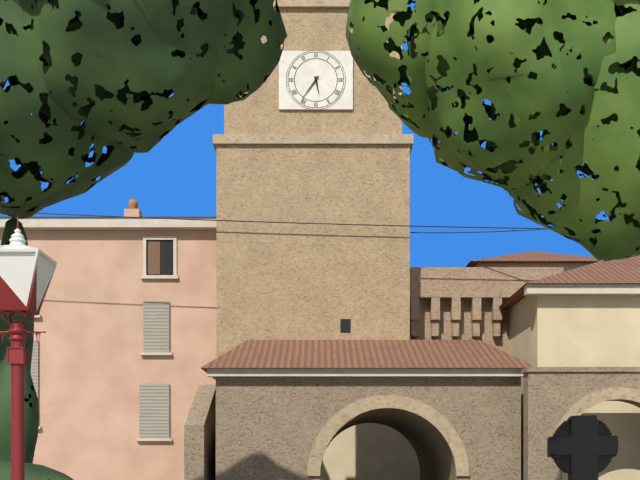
5 h 36 min
